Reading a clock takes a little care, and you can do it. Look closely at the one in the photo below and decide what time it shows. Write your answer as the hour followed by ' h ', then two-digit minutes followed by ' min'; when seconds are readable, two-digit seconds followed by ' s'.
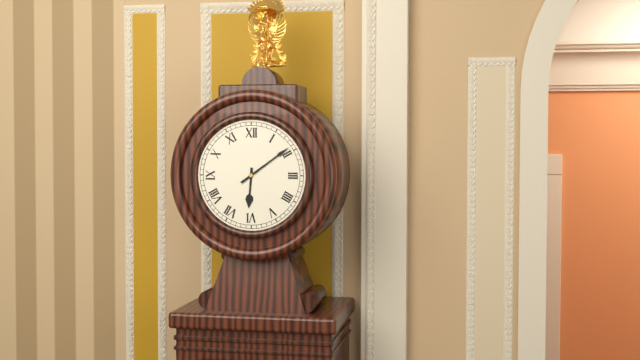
6 h 09 min
